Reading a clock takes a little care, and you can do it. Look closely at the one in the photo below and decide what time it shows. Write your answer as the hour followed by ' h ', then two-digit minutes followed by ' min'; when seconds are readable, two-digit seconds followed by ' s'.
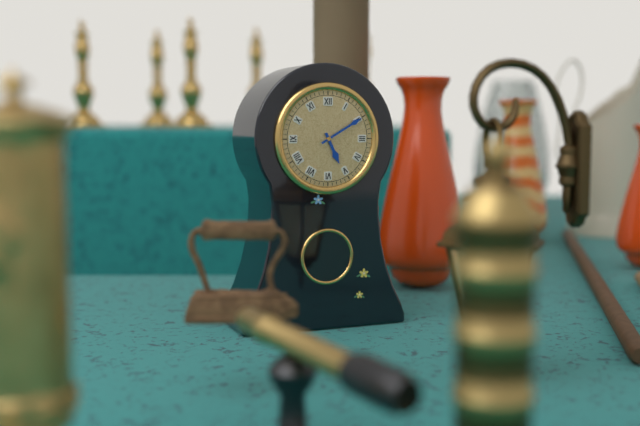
5 h 10 min
